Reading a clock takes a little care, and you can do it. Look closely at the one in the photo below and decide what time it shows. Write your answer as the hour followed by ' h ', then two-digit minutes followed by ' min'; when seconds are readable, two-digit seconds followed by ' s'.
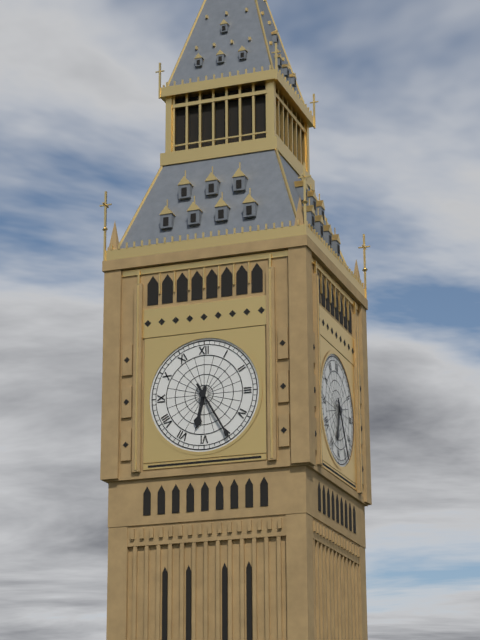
6 h 25 min
